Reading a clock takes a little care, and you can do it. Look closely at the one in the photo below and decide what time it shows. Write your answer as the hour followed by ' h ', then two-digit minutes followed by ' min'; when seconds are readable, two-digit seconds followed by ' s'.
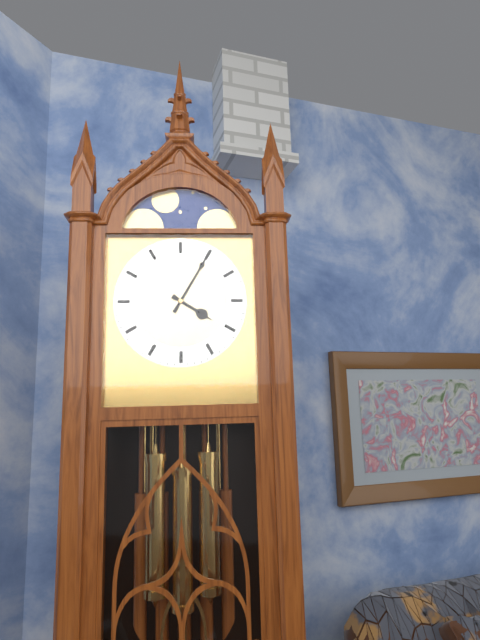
4 h 05 min
